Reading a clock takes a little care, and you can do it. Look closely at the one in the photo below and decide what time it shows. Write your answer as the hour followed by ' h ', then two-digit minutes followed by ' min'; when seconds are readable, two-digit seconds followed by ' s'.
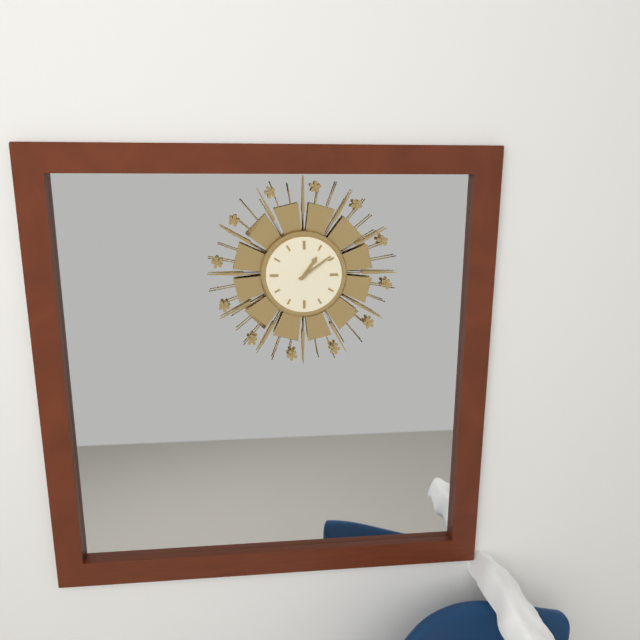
1 h 09 min
